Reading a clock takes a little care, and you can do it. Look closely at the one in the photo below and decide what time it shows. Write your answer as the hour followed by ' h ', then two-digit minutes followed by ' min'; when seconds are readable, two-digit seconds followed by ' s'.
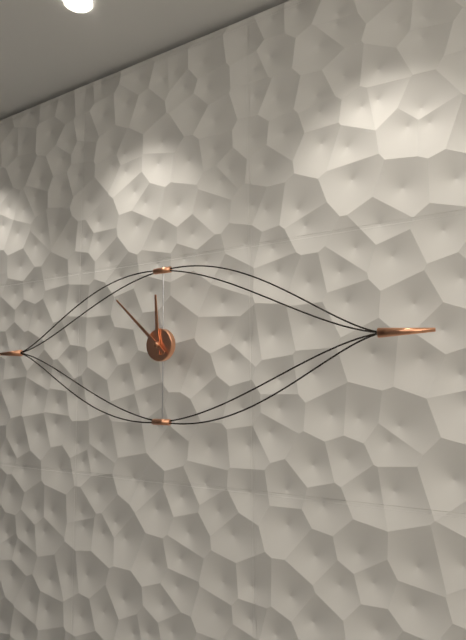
11 h 52 min
